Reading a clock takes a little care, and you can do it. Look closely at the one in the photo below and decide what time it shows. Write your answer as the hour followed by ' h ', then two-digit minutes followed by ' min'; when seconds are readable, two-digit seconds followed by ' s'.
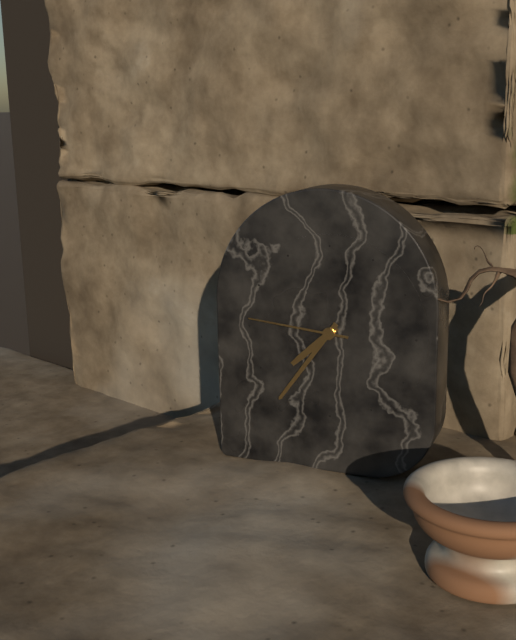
7 h 36 min 46 s
